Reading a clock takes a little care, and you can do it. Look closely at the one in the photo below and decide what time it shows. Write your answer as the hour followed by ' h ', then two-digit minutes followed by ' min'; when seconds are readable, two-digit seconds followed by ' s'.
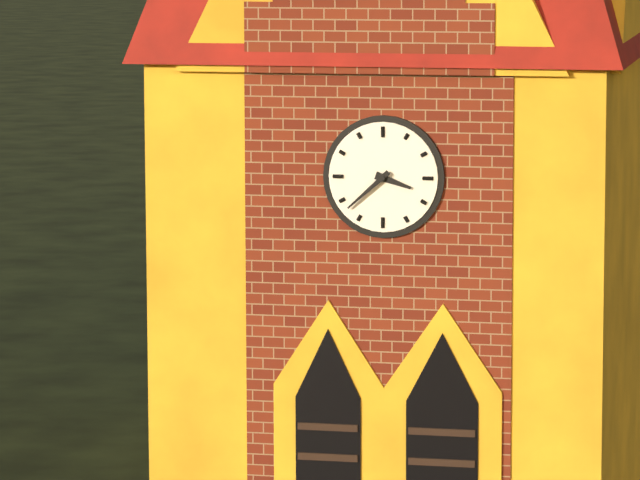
3 h 38 min
